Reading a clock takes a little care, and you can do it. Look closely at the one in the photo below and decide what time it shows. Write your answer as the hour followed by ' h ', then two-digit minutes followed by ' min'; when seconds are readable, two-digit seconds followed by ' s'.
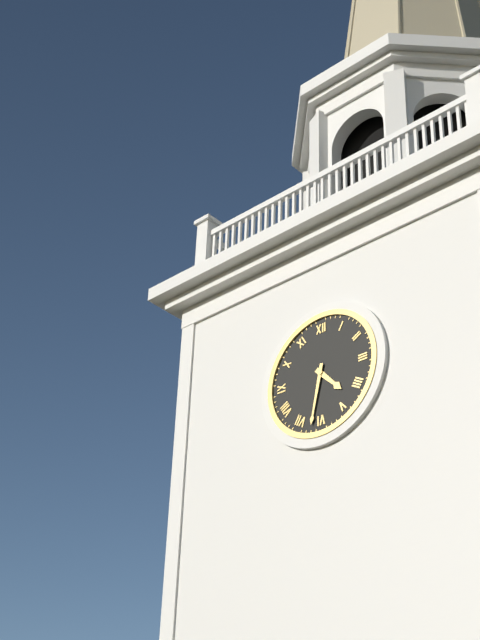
4 h 32 min
